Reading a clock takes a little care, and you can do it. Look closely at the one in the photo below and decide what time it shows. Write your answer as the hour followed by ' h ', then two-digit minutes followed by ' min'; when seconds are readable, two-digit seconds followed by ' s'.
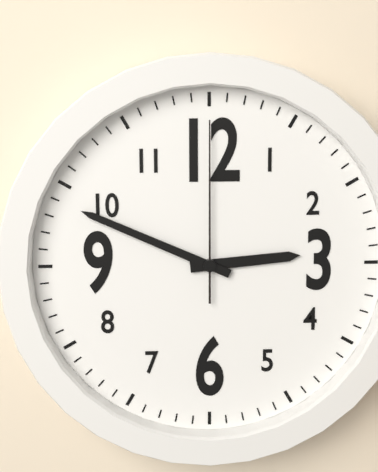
2 h 49 min 00 s
